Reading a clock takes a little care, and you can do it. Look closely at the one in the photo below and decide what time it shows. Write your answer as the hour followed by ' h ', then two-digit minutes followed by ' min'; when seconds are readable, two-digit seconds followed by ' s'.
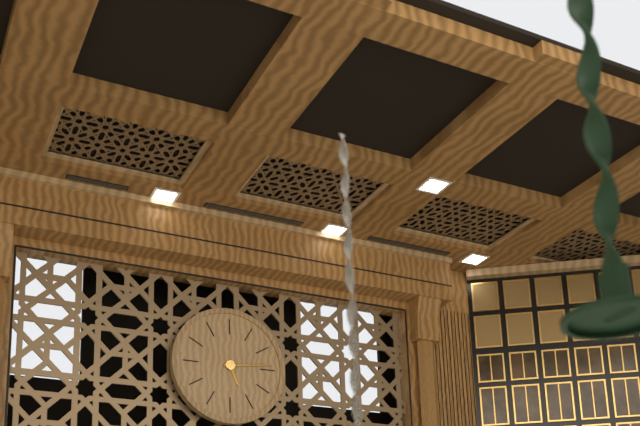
5 h 14 min
